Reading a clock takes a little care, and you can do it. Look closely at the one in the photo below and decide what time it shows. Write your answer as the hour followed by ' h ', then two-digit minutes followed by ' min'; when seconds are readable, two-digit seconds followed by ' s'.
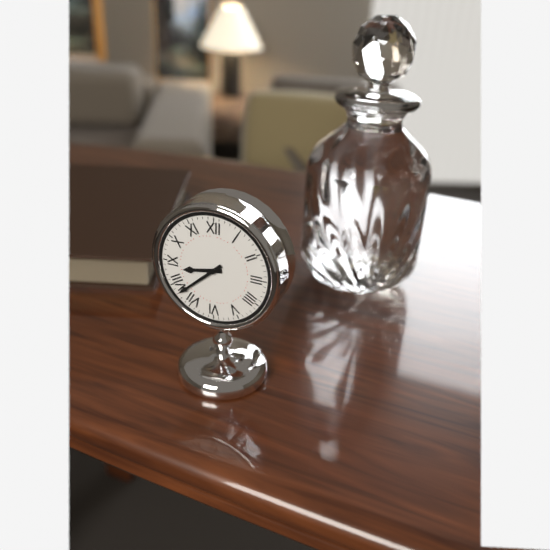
8 h 38 min
